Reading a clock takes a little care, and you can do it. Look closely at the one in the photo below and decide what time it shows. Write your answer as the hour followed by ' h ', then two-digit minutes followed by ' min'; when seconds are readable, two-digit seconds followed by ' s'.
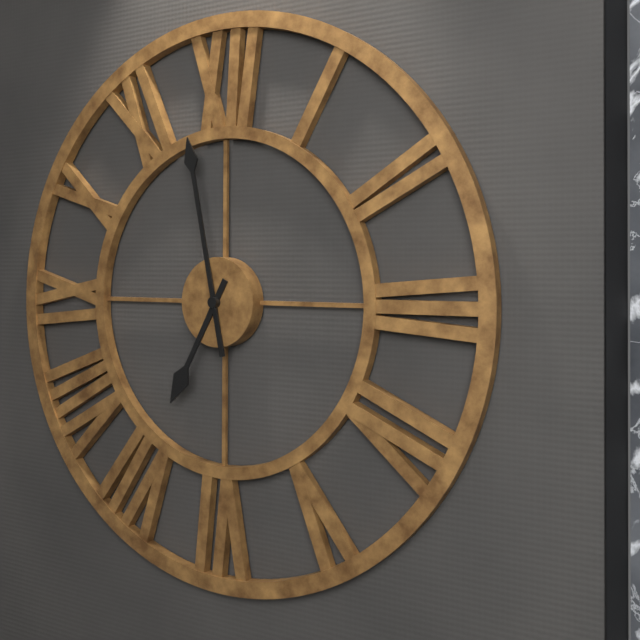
6 h 58 min
